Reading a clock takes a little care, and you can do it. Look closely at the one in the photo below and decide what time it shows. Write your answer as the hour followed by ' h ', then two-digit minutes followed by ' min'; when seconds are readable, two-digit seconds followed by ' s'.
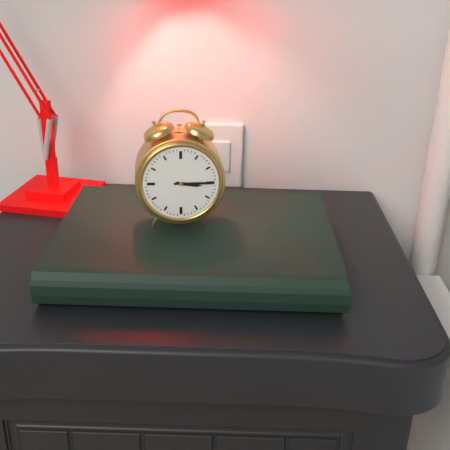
3 h 15 min
